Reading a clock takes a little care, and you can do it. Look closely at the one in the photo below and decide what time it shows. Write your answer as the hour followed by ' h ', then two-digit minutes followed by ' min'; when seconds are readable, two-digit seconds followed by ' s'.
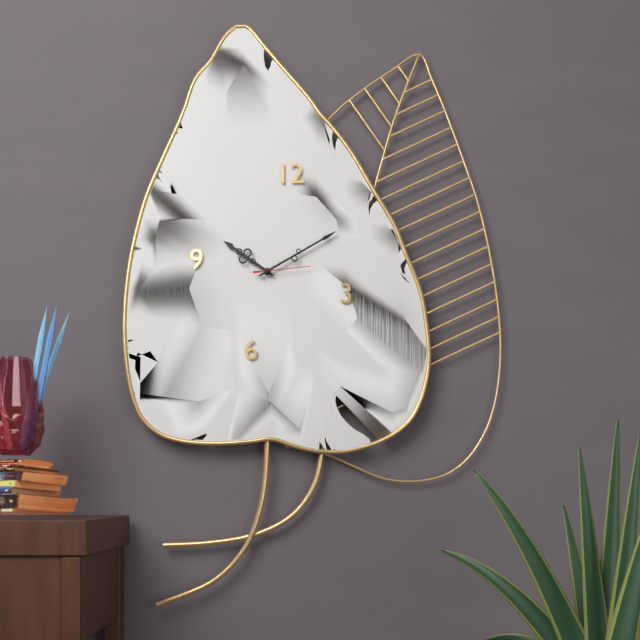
10 h 10 min 14 s
